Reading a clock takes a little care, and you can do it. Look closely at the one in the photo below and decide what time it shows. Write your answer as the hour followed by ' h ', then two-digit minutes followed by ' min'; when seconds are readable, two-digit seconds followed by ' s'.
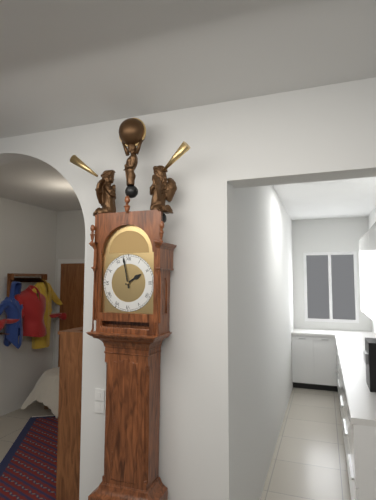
1 h 58 min
